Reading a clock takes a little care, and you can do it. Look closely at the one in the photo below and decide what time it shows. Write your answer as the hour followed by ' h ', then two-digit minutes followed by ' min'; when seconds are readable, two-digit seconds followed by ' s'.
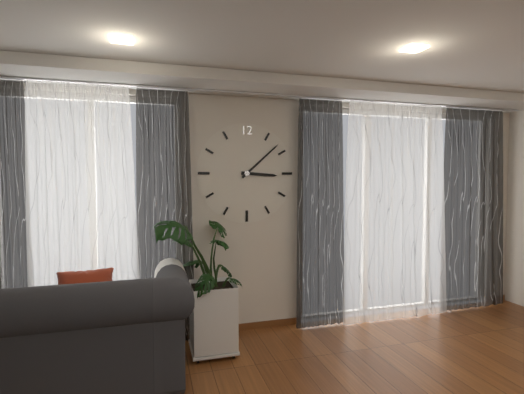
3 h 08 min
